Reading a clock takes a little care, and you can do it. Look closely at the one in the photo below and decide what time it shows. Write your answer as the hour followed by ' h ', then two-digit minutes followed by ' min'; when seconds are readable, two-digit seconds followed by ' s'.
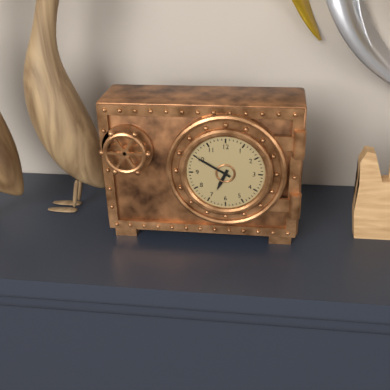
6 h 50 min
